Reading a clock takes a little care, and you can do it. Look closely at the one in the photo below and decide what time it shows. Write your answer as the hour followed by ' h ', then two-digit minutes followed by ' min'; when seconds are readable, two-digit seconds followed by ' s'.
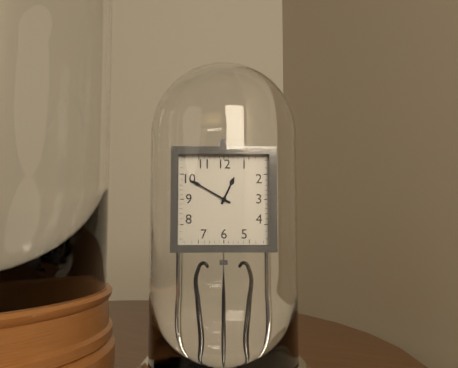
12 h 50 min
